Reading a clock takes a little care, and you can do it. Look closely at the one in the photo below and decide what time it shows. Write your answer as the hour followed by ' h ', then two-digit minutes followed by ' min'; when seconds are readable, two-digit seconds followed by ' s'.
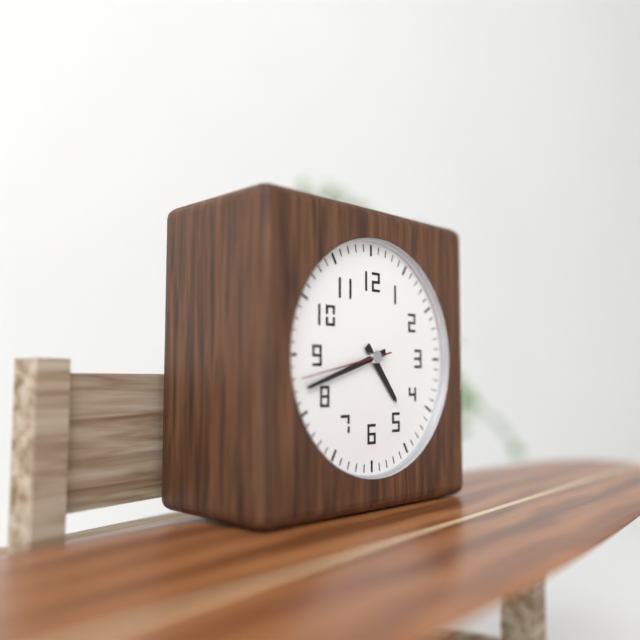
4 h 42 min 43 s
